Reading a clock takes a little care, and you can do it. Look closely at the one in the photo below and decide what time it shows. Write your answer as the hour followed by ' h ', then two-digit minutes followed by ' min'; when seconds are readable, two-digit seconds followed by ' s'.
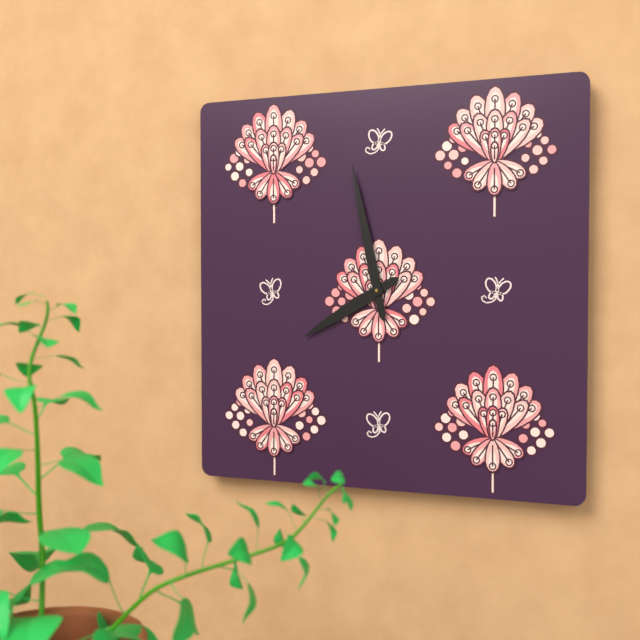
7 h 58 min
